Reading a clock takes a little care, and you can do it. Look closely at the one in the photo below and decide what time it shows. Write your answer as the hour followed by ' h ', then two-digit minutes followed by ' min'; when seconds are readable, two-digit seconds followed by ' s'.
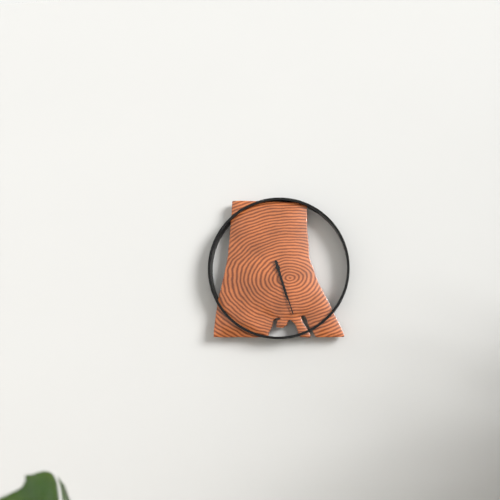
5 h 27 min
